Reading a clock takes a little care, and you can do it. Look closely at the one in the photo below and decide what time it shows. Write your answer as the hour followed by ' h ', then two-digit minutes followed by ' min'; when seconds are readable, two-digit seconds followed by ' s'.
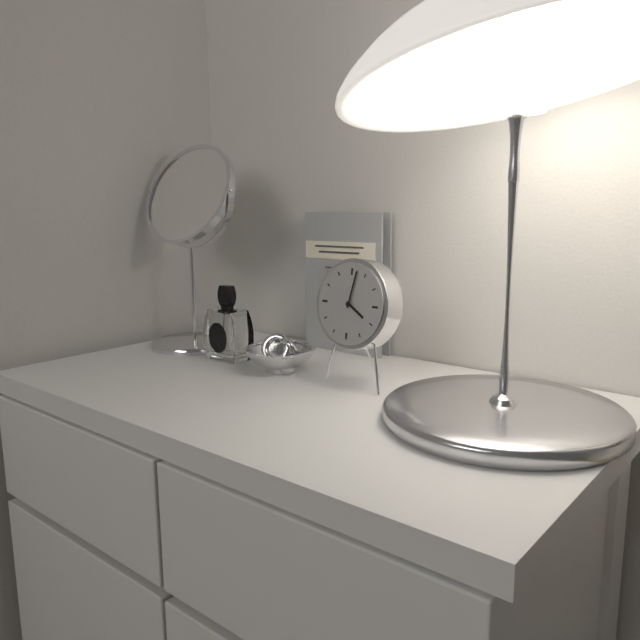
4 h 02 min
